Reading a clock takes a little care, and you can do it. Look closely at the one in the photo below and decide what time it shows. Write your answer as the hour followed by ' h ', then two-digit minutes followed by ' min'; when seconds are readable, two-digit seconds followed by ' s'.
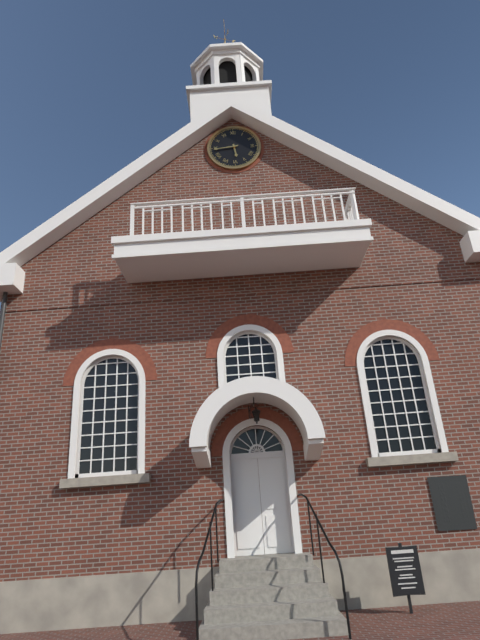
5 h 44 min
